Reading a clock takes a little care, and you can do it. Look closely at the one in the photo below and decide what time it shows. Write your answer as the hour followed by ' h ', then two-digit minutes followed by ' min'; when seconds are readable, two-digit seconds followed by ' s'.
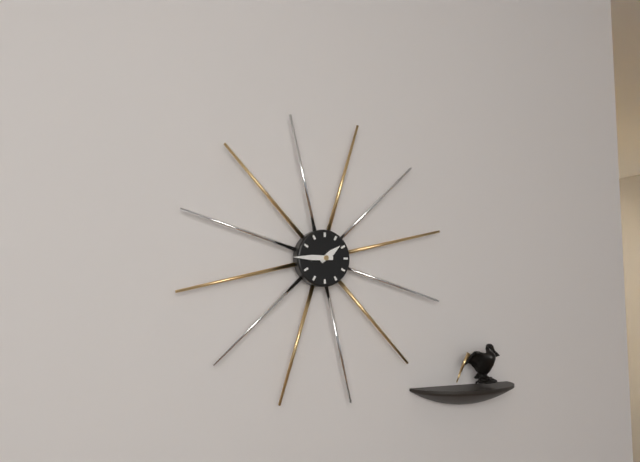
1 h 45 min
